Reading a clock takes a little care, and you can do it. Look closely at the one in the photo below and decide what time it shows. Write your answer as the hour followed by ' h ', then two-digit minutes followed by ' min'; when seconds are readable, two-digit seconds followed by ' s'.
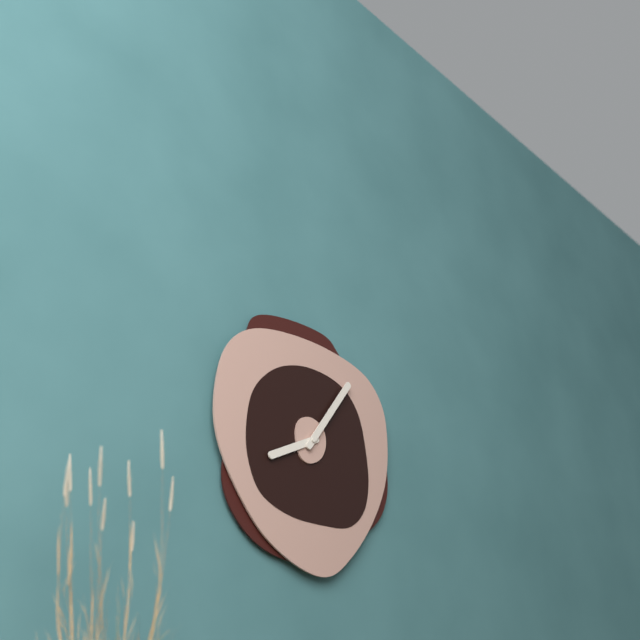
8 h 06 min
